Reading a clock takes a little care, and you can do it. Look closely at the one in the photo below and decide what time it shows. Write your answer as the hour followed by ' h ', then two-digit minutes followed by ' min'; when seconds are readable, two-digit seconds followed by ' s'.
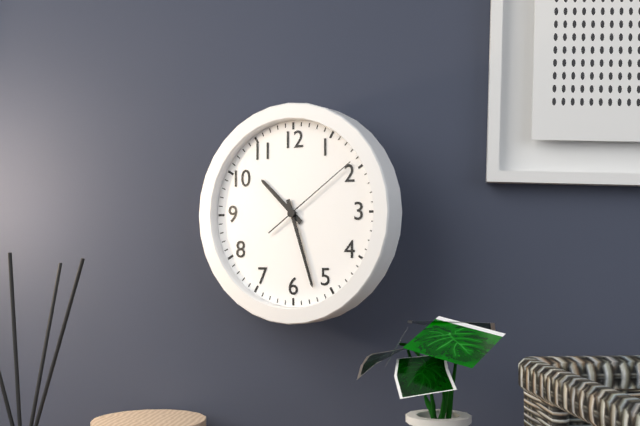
10 h 27 min 09 s
